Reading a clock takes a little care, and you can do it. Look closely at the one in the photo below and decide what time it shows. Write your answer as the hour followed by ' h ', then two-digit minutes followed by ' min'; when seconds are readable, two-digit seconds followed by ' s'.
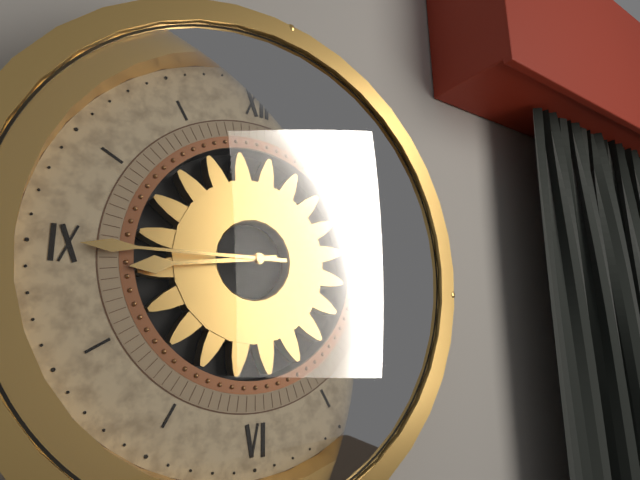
8 h 45 min
